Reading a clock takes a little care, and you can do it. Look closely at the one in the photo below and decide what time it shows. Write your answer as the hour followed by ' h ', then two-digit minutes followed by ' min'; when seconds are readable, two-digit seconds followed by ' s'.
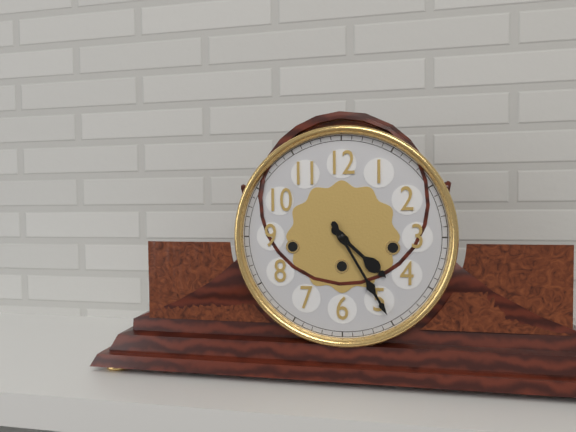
4 h 25 min
